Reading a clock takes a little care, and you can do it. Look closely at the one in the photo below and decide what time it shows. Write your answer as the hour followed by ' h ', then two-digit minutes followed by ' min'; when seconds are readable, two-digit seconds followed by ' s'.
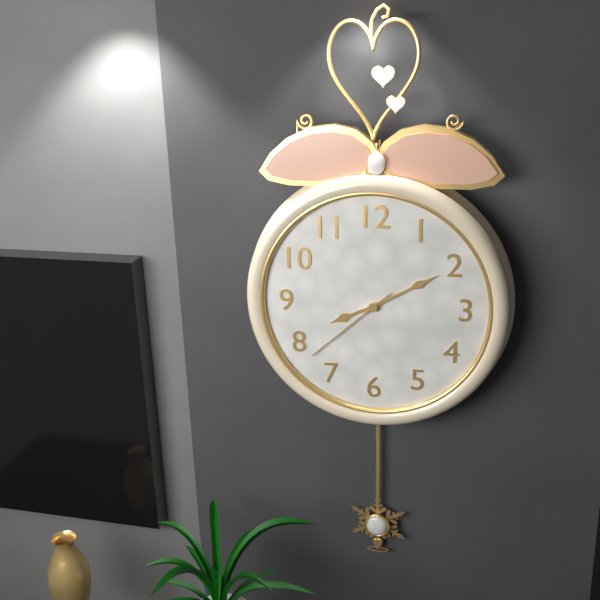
8 h 10 min 38 s
